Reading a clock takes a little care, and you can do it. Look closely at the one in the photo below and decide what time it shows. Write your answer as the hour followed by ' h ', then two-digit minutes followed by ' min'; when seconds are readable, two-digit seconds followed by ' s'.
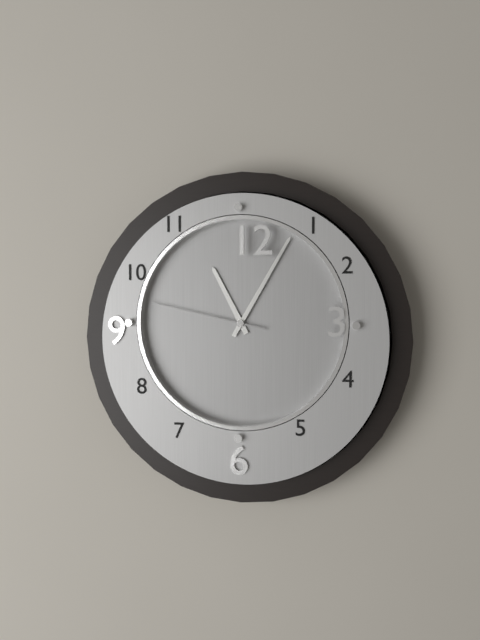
11 h 05 min 47 s
